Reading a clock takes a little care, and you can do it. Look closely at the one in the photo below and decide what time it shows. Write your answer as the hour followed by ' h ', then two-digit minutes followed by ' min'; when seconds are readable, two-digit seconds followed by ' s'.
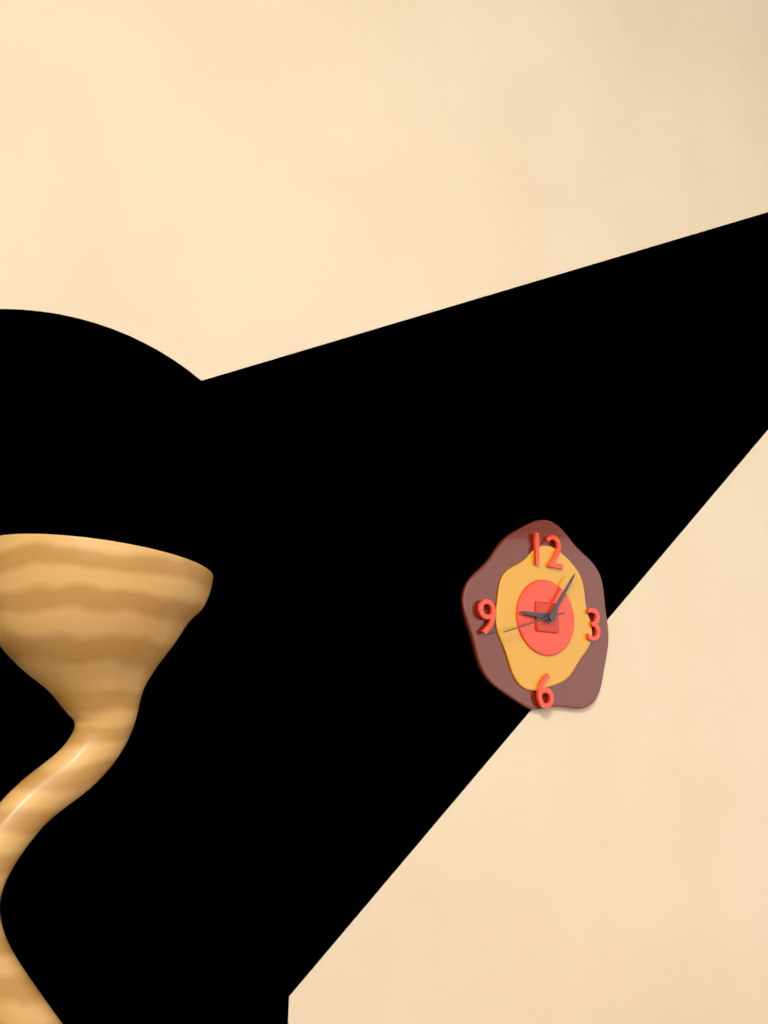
9 h 06 min 42 s
